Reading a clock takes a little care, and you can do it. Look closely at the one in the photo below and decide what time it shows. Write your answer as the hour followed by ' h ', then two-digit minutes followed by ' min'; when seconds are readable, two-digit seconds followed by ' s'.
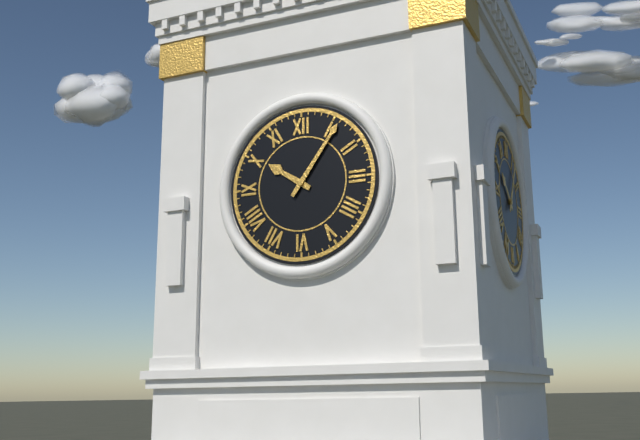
10 h 06 min
